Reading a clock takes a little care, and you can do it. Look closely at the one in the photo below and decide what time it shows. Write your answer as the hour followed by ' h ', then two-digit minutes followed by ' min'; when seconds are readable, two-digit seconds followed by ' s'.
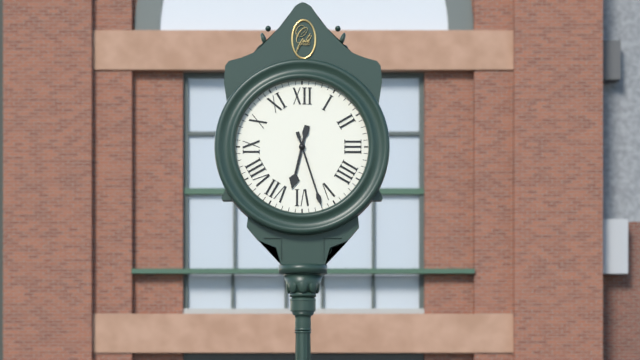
6 h 27 min
